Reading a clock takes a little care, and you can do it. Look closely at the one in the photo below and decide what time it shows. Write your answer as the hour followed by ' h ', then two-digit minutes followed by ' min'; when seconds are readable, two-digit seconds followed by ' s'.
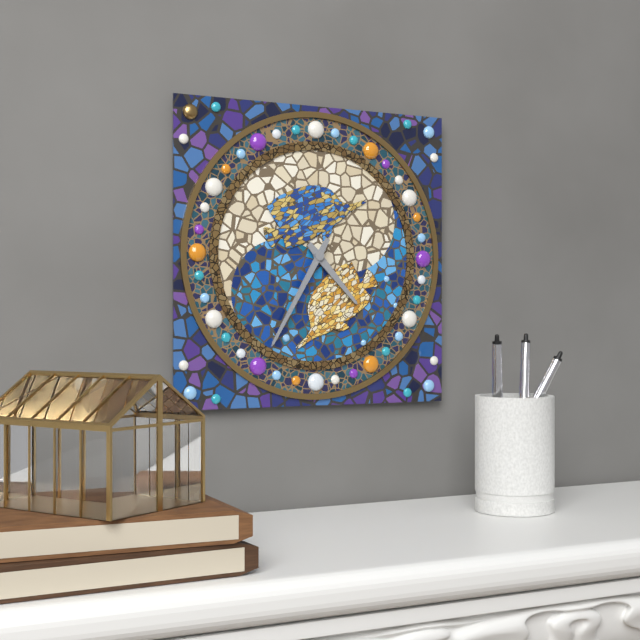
4 h 35 min
